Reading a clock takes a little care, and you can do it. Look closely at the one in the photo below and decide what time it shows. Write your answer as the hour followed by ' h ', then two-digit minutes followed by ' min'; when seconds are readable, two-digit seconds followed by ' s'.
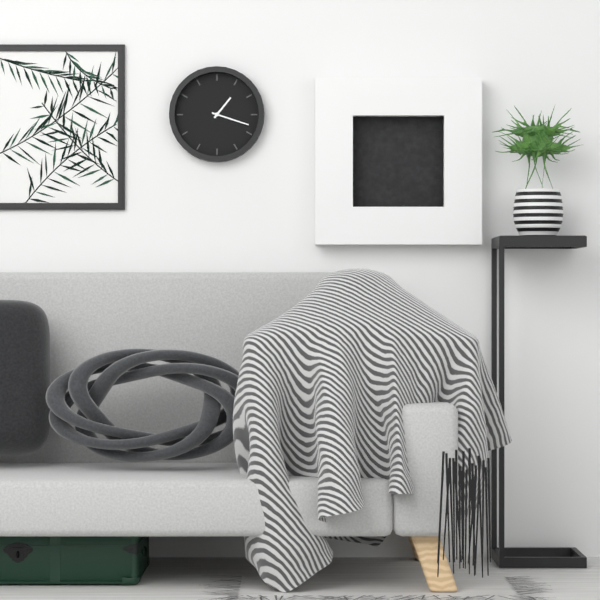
1 h 18 min
